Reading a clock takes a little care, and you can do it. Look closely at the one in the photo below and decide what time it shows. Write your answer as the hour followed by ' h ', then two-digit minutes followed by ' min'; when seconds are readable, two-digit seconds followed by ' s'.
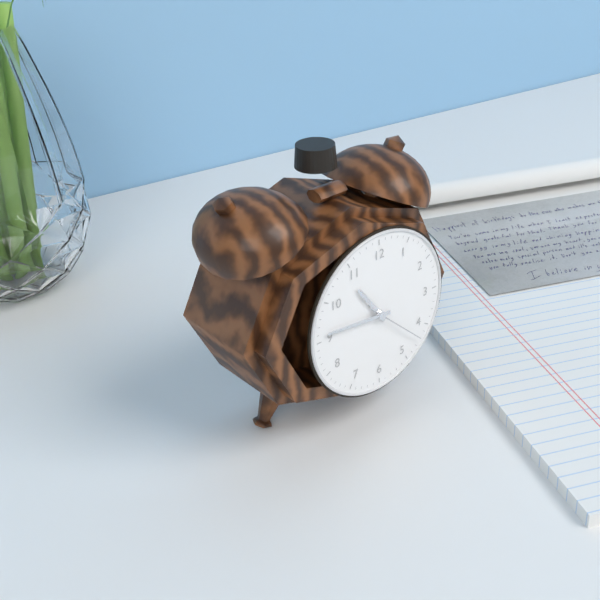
10 h 46 min 22 s
